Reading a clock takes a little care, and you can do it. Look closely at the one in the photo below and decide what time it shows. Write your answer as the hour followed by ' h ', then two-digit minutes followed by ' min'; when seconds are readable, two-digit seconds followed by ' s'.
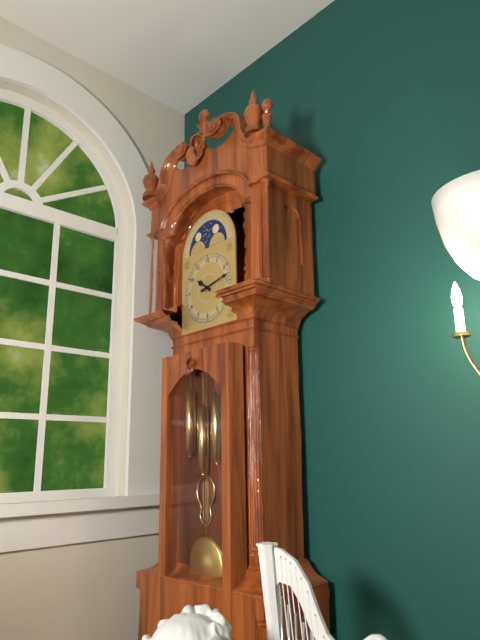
10 h 13 min
